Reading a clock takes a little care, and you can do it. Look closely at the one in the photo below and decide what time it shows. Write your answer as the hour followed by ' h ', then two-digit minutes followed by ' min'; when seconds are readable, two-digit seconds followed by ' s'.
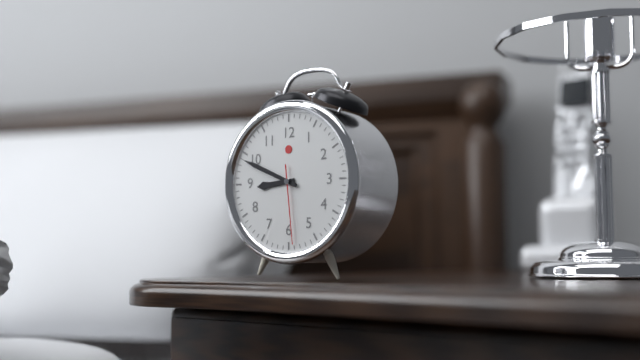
8 h 49 min 29 s
